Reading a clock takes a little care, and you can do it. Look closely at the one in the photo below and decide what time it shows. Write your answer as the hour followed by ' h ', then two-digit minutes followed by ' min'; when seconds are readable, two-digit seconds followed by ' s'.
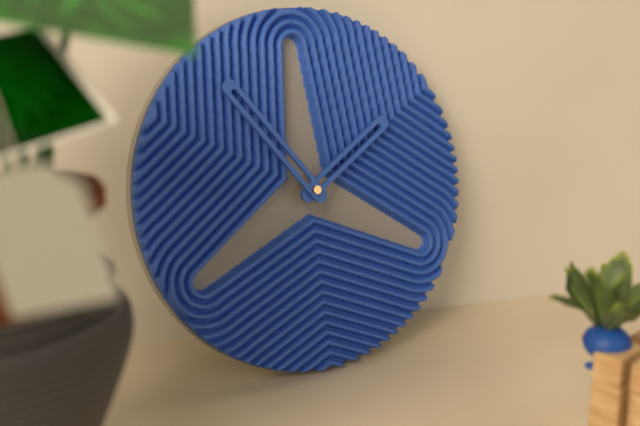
1 h 54 min
